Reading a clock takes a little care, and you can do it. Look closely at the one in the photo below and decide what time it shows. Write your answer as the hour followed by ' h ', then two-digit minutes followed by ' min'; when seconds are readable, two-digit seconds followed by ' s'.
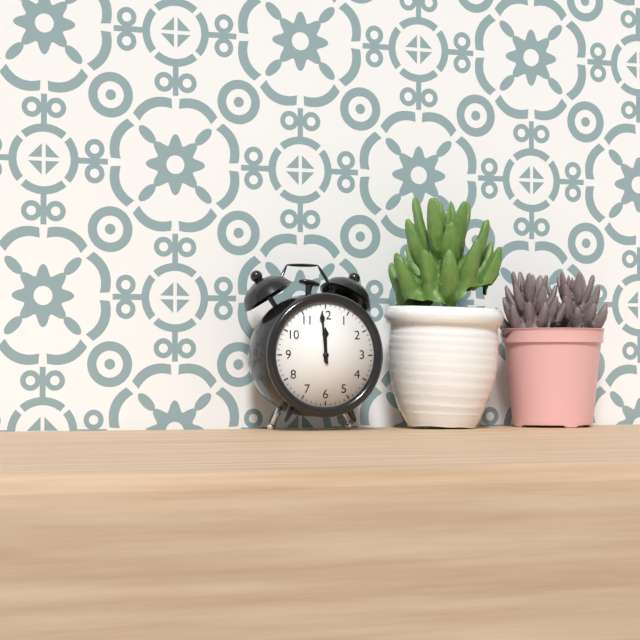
11 h 59 min
